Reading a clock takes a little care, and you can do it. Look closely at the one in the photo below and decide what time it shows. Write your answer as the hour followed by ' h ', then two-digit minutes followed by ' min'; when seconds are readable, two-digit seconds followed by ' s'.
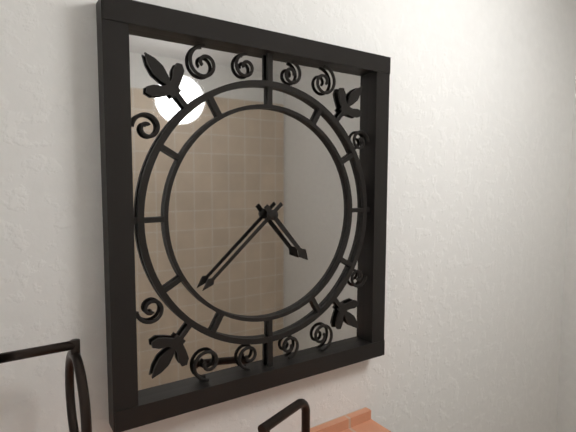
4 h 38 min
